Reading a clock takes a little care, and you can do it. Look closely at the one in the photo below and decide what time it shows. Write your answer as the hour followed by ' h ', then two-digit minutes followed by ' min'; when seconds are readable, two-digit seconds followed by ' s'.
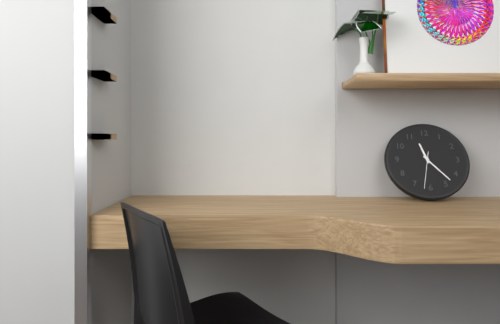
11 h 23 min
